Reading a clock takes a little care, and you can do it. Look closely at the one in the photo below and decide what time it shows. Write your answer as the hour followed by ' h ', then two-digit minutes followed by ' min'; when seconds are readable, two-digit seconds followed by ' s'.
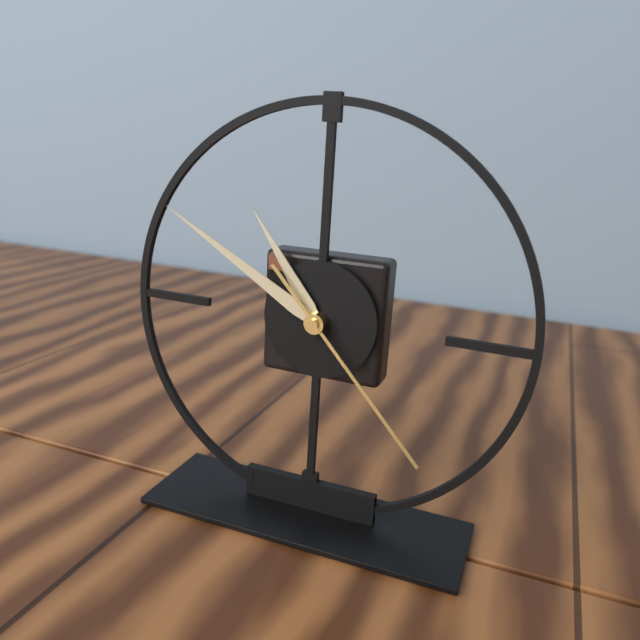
10 h 50 min 23 s
